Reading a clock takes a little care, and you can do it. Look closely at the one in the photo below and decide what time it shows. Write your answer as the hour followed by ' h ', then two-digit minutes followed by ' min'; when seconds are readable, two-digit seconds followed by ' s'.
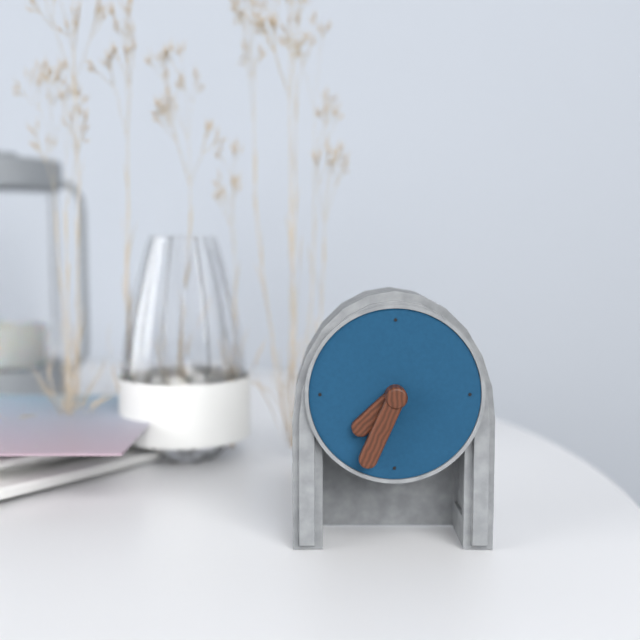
7 h 34 min
